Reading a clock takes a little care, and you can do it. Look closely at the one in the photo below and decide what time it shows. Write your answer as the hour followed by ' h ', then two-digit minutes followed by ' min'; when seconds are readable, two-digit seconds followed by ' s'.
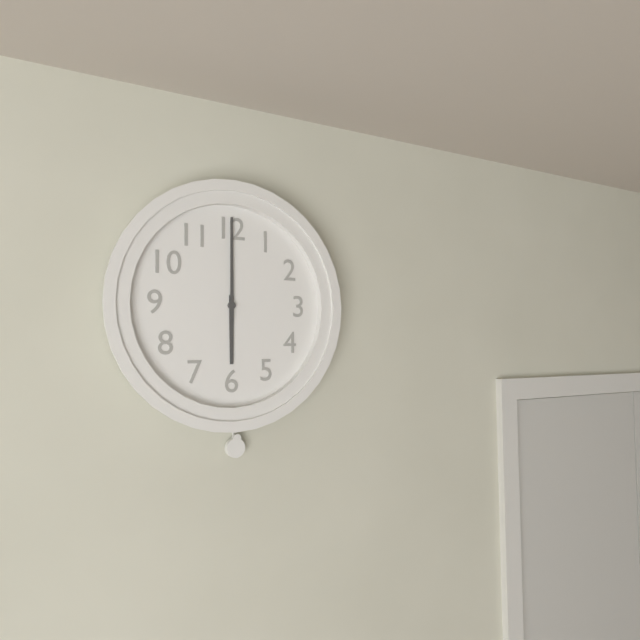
6 h 00 min
